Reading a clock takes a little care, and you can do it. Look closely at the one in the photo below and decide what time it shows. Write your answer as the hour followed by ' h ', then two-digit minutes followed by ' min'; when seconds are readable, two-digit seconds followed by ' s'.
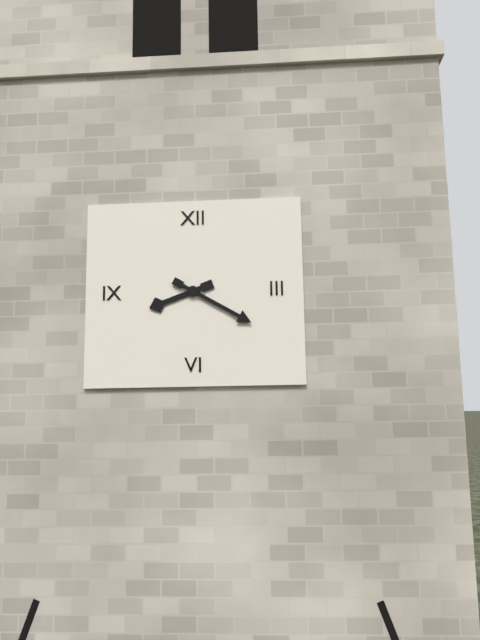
8 h 20 min
